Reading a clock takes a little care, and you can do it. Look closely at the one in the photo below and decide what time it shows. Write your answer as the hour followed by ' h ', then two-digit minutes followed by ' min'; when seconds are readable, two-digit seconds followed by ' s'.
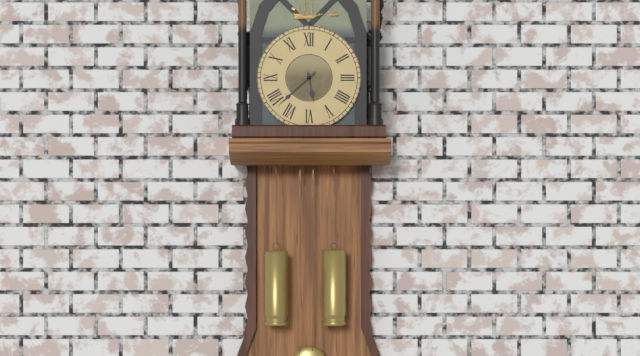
5 h 38 min
